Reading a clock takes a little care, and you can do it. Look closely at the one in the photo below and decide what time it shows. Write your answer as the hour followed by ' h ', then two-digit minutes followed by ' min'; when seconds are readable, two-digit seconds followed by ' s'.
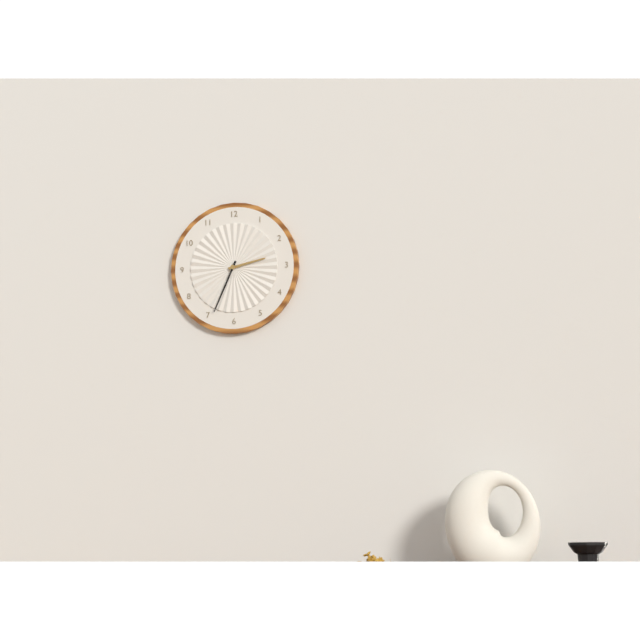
2 h 34 min
